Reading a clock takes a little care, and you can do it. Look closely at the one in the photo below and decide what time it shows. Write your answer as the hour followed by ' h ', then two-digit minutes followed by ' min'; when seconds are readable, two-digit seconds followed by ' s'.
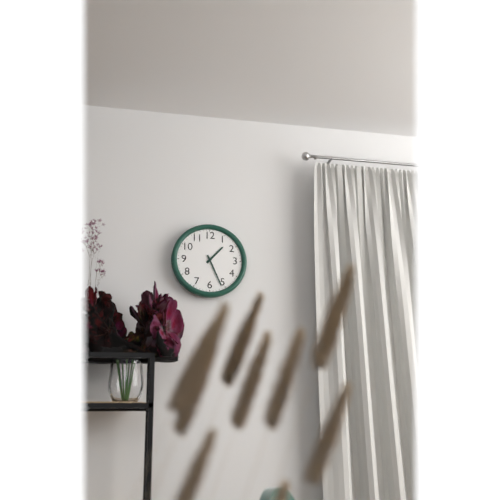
1 h 26 min
